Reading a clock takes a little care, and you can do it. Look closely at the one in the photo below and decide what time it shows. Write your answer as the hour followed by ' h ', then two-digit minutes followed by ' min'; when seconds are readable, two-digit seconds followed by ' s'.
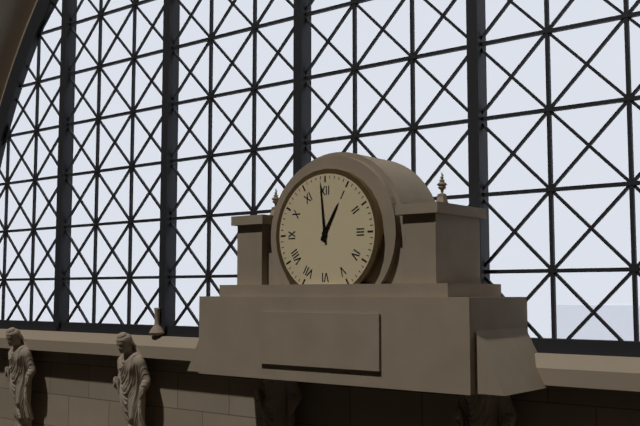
12 h 59 min
